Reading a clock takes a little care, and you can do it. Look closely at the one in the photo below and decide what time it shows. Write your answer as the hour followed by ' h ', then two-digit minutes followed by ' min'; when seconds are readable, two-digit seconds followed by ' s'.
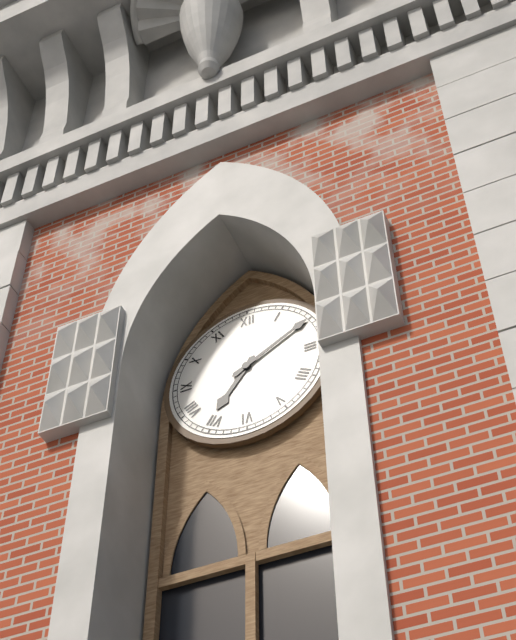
7 h 10 min
